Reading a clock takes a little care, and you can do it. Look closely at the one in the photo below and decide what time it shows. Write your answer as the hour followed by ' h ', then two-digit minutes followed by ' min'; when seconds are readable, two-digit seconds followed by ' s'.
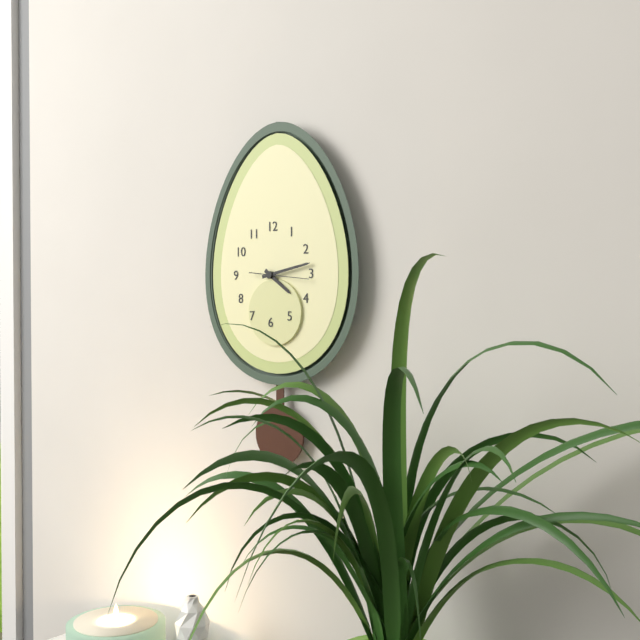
4 h 13 min
